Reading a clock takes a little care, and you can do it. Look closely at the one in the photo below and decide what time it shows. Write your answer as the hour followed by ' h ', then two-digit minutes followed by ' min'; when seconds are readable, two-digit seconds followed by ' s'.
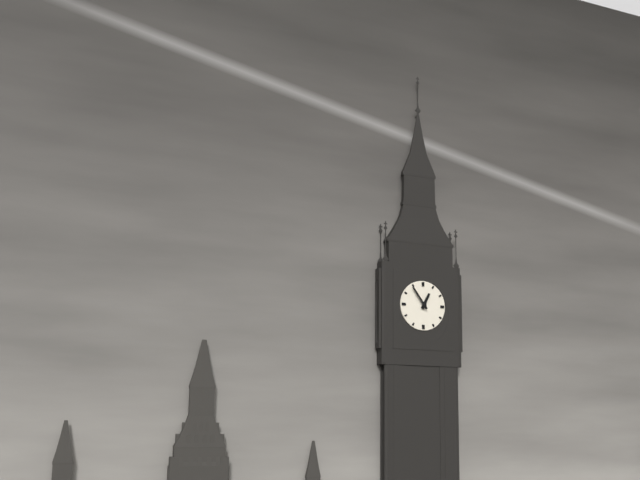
12 h 54 min
